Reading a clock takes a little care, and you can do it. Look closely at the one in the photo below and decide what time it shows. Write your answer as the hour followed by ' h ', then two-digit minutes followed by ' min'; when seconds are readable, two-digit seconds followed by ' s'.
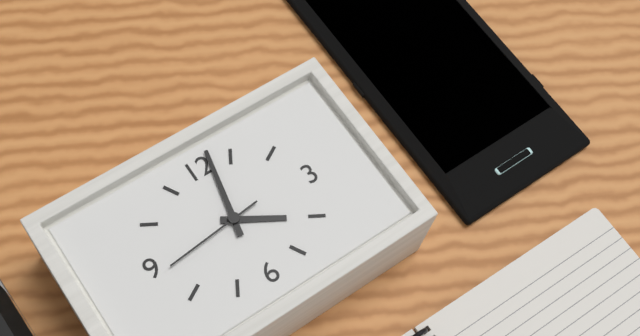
4 h 02 min 44 s
